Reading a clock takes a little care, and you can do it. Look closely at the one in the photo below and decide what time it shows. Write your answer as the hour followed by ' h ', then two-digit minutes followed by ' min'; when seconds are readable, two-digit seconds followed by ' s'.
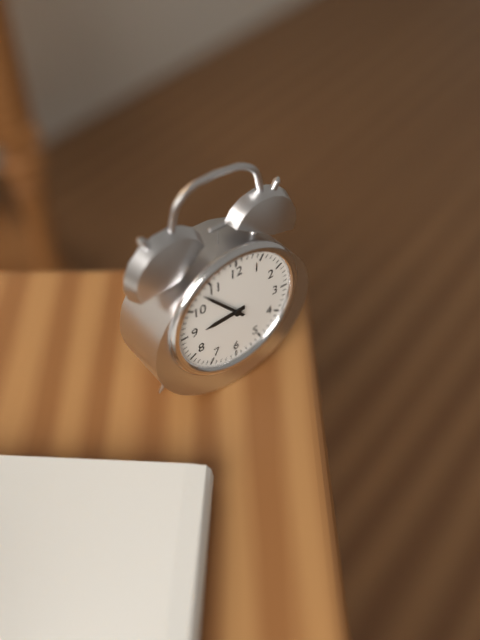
8 h 53 min
